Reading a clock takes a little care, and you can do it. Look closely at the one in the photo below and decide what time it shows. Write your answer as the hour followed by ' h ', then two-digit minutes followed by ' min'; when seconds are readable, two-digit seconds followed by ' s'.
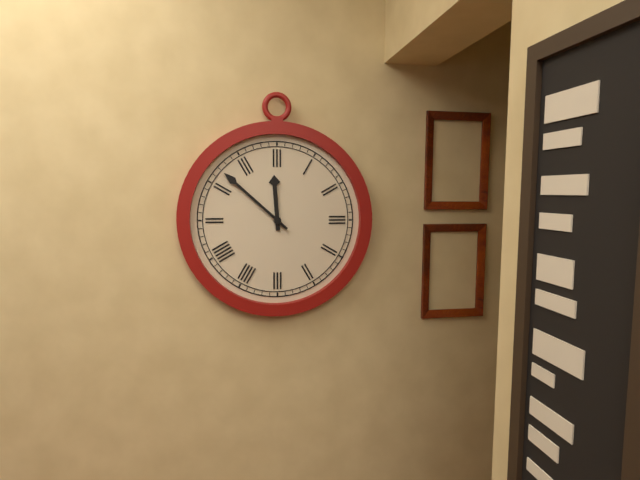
11 h 52 min
